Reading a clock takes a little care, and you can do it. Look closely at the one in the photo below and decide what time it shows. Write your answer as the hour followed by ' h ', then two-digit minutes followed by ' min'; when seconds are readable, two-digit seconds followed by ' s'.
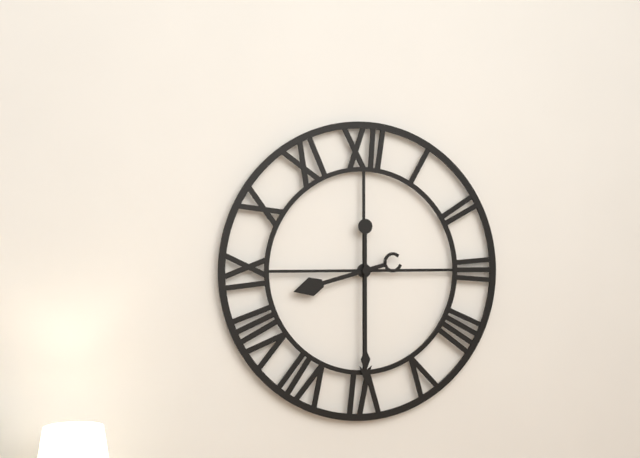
8 h 30 min
